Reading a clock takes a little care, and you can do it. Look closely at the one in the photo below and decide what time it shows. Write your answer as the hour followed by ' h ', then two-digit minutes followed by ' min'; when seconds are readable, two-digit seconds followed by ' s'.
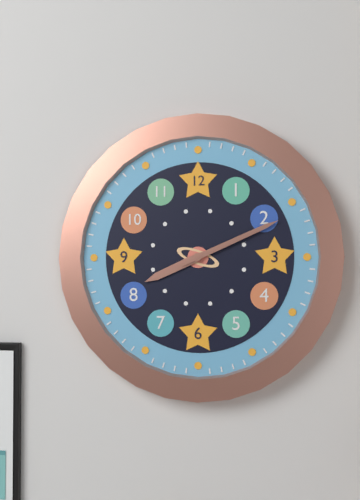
8 h 11 min
